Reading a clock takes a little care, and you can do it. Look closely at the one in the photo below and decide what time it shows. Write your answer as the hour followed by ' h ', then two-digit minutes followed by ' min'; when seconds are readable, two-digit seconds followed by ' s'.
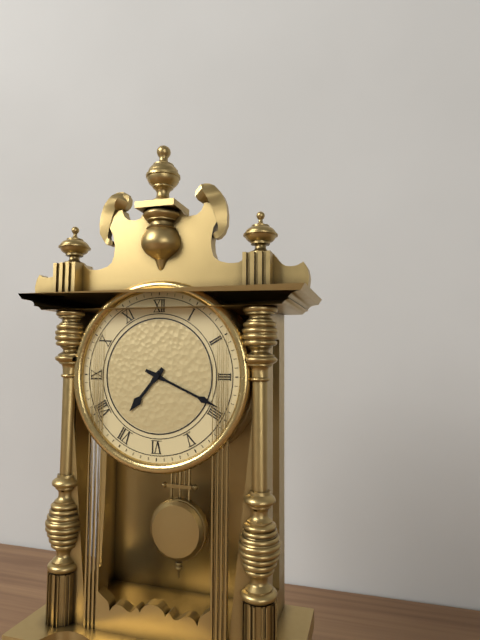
7 h 19 min
